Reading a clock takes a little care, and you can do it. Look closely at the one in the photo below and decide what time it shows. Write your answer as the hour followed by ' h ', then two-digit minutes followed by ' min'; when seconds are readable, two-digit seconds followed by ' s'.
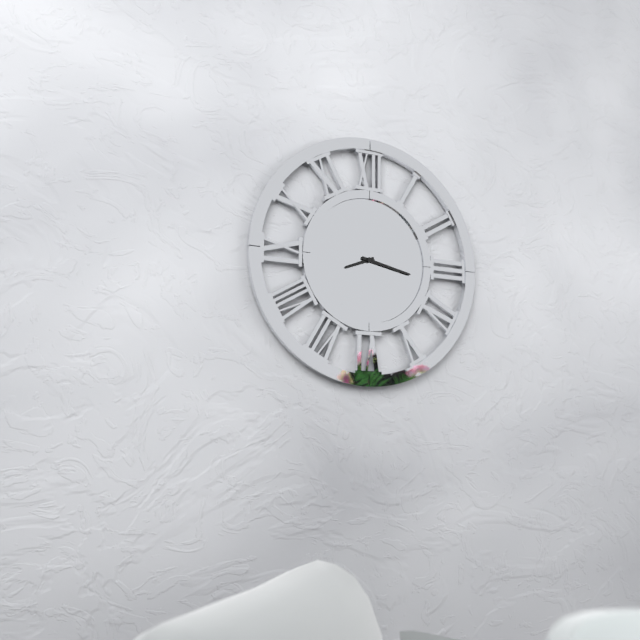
8 h 17 min
